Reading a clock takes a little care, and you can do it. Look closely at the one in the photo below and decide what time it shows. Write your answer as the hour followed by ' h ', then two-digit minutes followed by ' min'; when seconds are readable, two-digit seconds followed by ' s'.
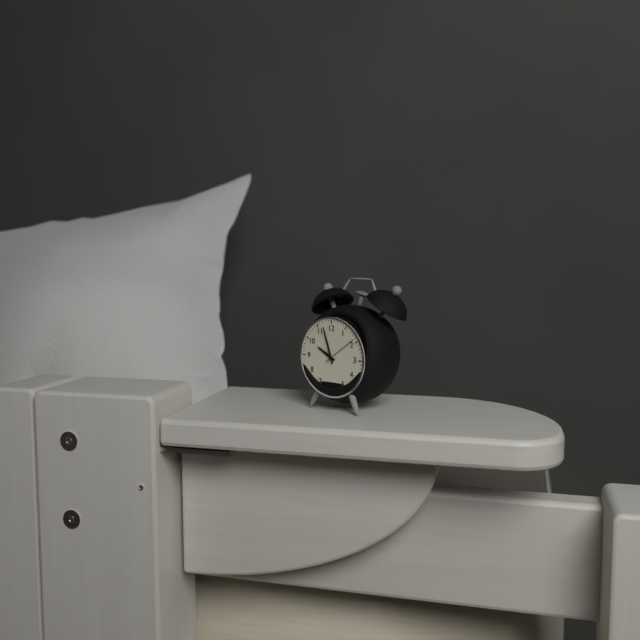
9 h 57 min
